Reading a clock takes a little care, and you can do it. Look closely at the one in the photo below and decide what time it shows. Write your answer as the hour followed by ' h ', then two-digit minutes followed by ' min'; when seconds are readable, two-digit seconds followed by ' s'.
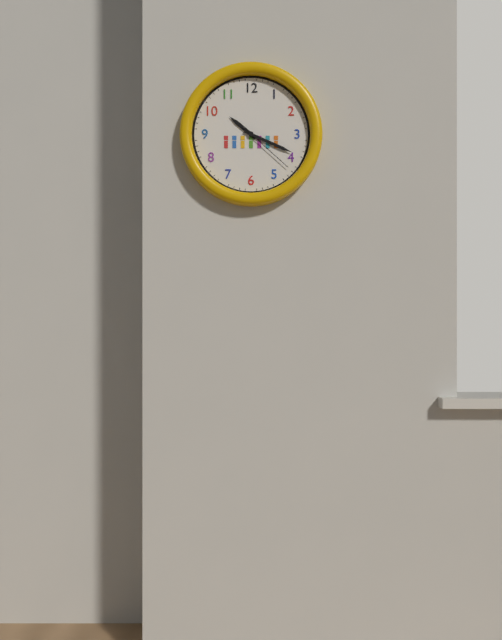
10 h 19 min 22 s
